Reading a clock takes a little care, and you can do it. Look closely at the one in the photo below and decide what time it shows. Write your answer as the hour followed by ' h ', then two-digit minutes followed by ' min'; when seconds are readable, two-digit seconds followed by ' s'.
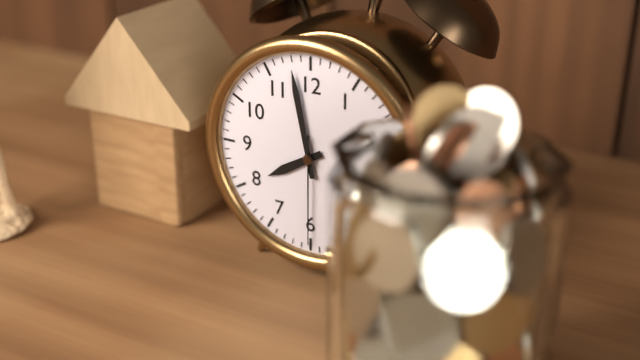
7 h 58 min 30 s
